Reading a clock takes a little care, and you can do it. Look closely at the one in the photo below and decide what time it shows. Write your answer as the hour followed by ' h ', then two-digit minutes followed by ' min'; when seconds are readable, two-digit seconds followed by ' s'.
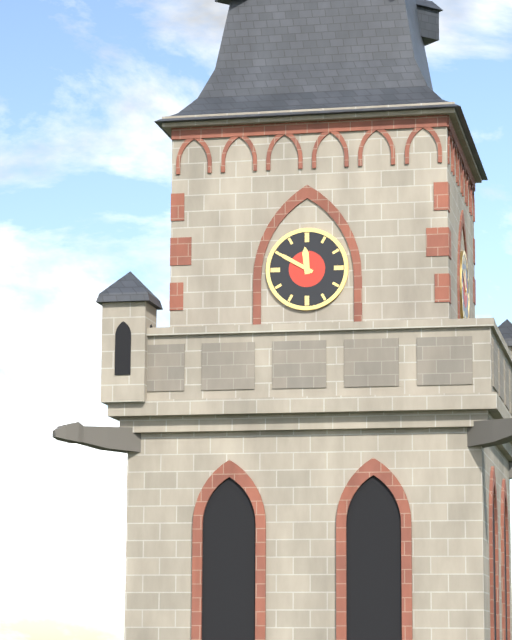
11 h 50 min
